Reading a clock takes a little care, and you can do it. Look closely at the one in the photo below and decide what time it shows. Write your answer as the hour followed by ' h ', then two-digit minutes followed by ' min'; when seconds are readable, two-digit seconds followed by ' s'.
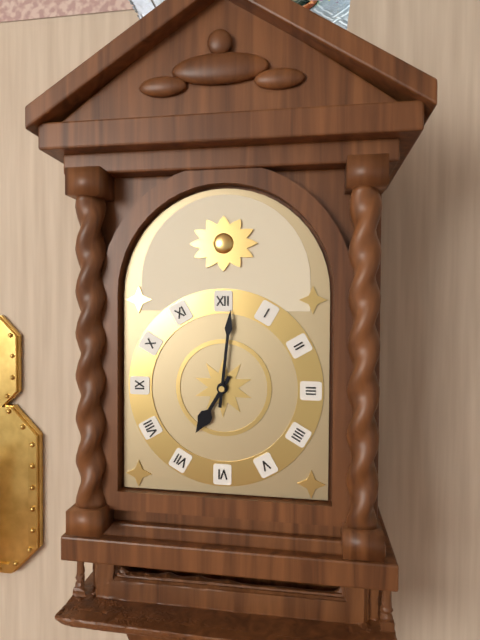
7 h 01 min
